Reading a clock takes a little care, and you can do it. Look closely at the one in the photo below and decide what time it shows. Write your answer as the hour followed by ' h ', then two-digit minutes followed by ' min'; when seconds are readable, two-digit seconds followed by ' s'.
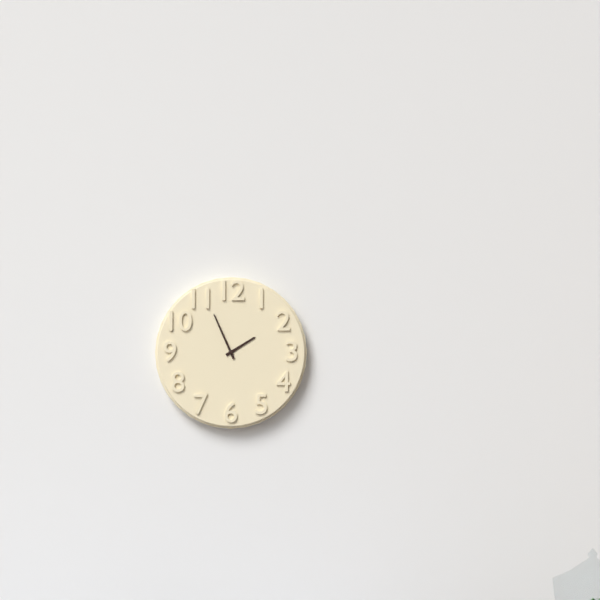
1 h 56 min
